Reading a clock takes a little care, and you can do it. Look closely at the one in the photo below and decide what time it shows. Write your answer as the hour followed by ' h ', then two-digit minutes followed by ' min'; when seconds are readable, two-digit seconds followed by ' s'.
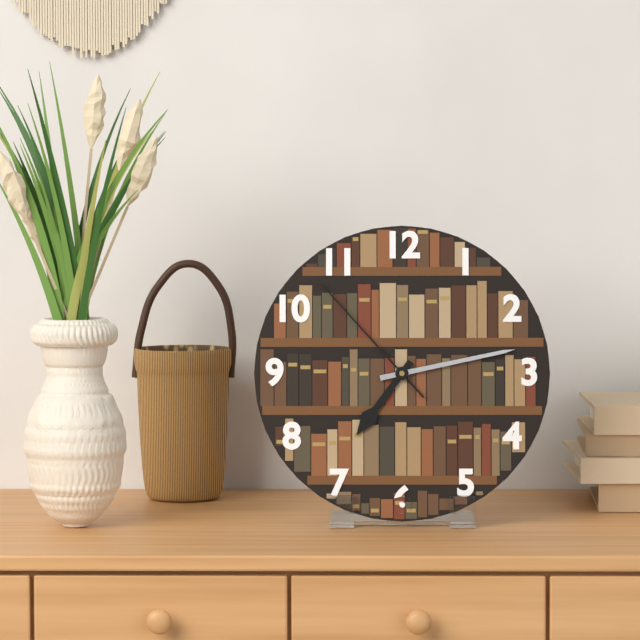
7 h 13 min 53 s
